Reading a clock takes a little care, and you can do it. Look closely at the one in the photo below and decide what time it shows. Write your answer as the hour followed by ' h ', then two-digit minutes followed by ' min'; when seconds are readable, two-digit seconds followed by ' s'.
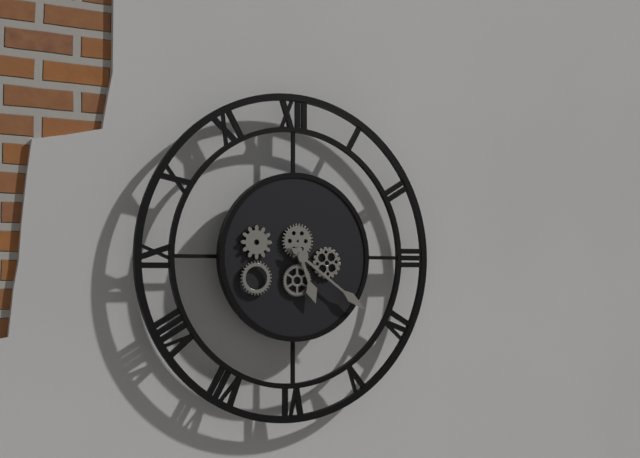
5 h 21 min
